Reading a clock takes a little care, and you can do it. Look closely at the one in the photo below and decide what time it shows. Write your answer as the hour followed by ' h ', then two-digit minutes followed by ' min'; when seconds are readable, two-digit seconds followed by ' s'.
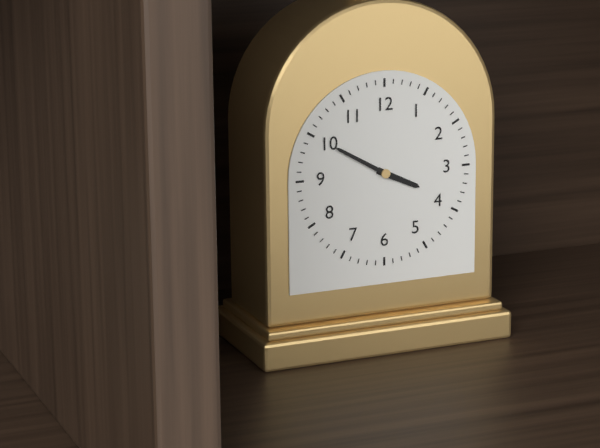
3 h 50 min
